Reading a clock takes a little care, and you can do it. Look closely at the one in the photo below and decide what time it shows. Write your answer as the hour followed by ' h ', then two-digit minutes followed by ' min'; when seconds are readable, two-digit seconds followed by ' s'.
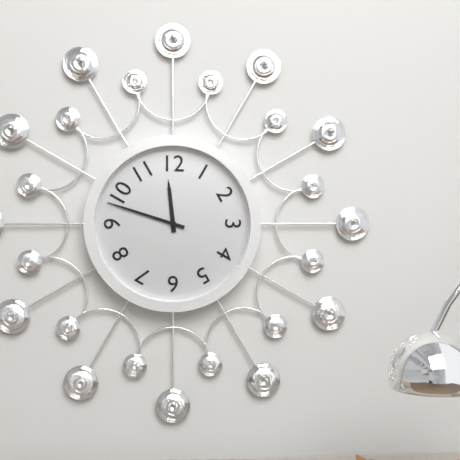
11 h 48 min
